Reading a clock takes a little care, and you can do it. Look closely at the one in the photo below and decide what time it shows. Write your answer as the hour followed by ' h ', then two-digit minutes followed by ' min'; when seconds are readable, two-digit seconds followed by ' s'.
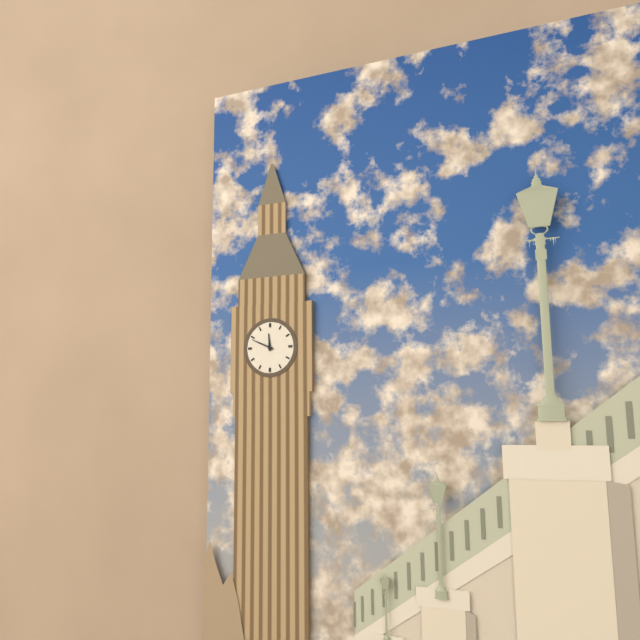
11 h 49 min
